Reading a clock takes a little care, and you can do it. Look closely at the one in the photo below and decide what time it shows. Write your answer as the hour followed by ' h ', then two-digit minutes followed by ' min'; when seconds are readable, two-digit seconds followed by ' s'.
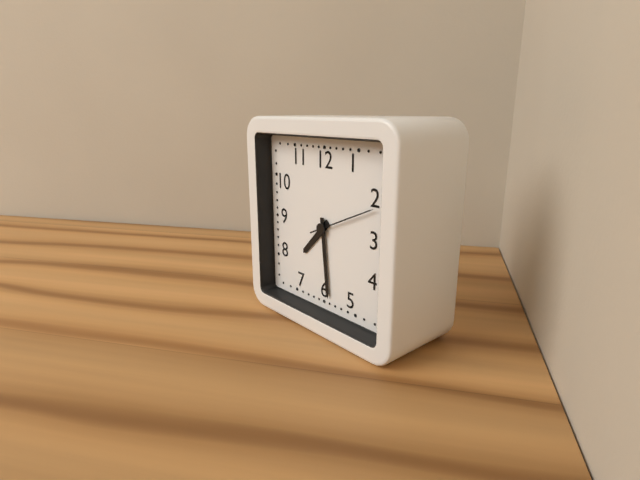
7 h 29 min 11 s
